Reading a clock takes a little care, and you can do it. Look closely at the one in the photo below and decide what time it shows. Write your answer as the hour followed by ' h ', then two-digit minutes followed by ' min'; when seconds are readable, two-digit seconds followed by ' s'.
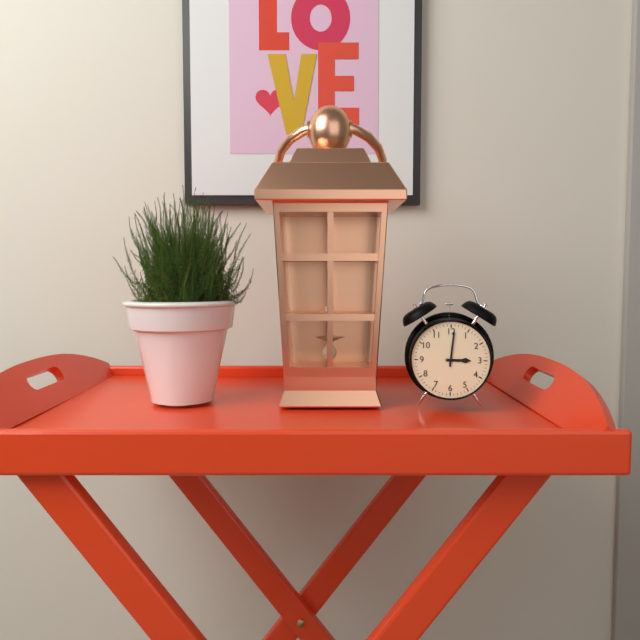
3 h 01 min
